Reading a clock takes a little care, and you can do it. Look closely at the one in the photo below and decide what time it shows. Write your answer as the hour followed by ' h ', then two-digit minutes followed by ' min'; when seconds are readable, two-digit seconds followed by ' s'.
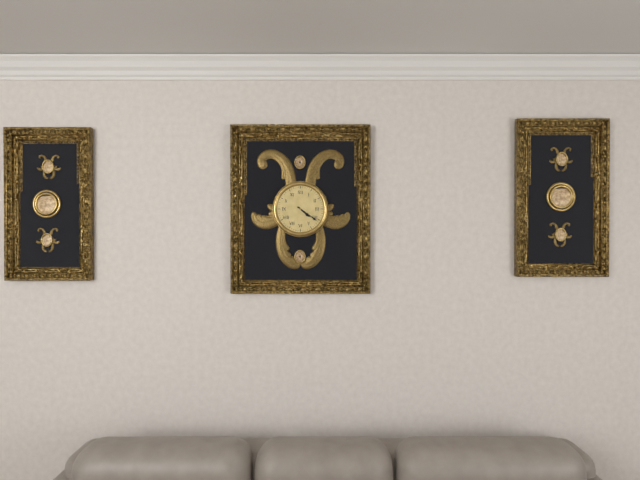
4 h 21 min
